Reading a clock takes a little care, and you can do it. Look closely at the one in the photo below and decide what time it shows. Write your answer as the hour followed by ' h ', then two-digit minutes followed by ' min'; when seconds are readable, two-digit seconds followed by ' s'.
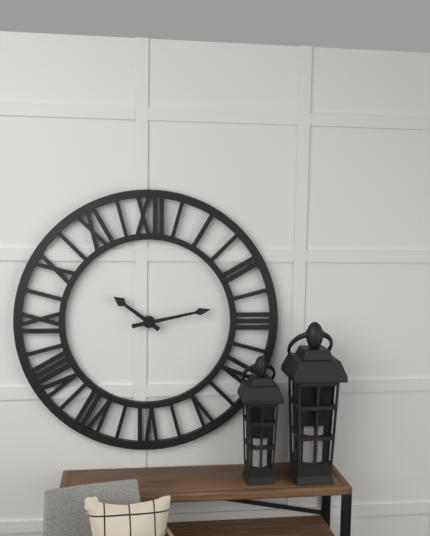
10 h 13 min
